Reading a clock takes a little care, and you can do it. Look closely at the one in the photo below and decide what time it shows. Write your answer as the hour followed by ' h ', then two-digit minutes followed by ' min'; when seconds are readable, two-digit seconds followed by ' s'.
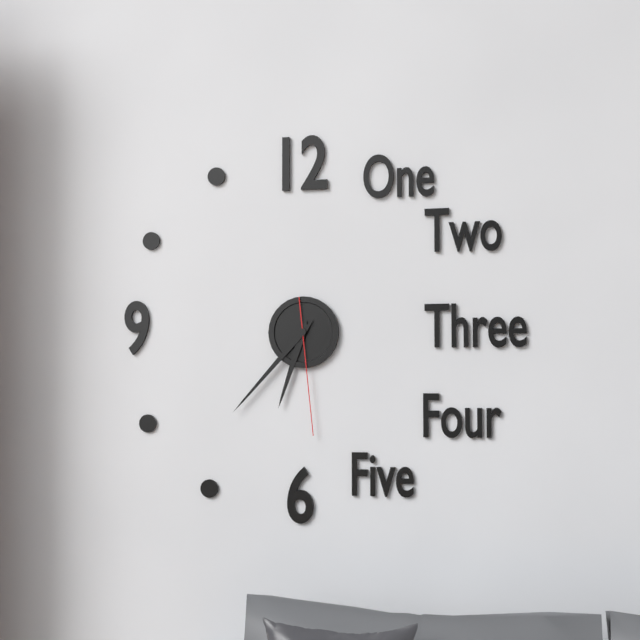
6 h 37 min 29 s
